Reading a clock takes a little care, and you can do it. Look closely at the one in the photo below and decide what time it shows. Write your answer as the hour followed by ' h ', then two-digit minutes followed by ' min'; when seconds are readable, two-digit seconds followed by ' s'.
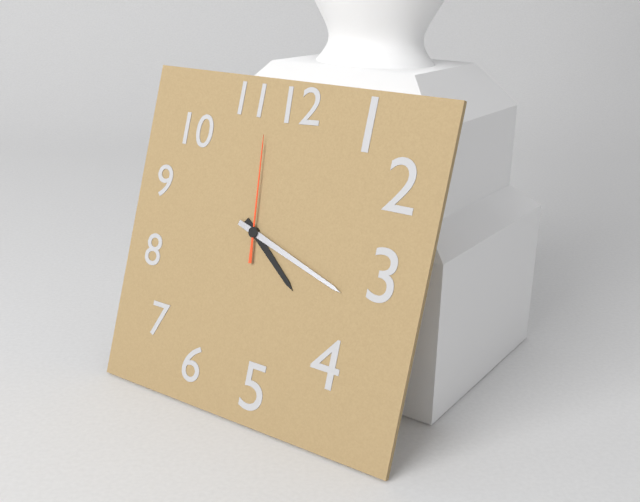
4 h 18 min 59 s
